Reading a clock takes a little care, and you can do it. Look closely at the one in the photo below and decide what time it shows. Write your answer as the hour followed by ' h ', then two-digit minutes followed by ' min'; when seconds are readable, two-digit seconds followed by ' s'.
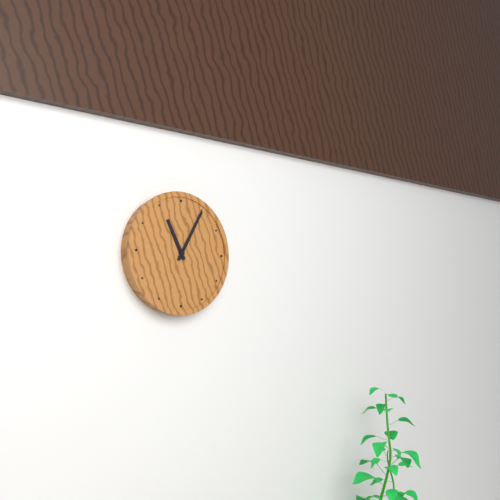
11 h 05 min
